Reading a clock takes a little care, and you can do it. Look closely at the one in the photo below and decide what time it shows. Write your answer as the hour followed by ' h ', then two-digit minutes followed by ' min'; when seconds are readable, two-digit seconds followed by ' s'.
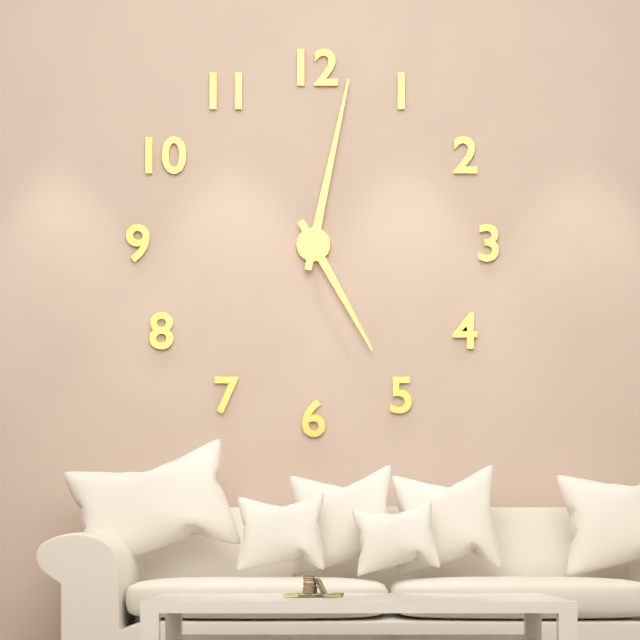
5 h 02 min
